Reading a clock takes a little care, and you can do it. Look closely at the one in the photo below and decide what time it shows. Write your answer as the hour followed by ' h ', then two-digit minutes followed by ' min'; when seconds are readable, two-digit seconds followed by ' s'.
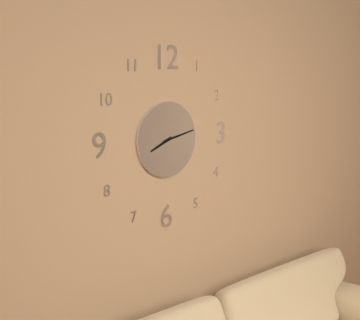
8 h 13 min
